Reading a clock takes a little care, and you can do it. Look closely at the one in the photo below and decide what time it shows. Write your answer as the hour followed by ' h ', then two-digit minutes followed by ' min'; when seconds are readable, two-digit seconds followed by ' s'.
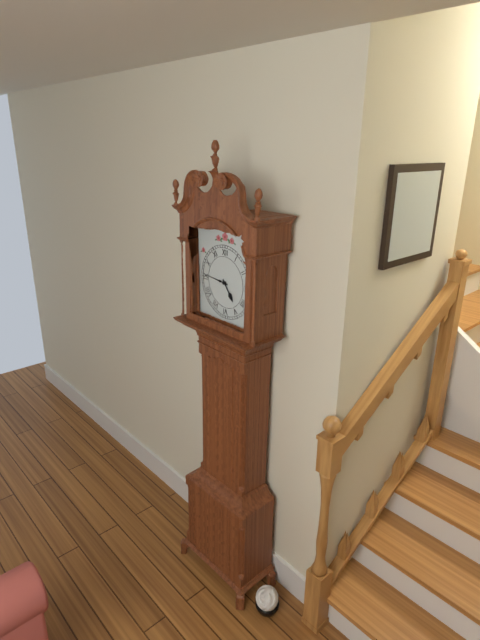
4 h 46 min
